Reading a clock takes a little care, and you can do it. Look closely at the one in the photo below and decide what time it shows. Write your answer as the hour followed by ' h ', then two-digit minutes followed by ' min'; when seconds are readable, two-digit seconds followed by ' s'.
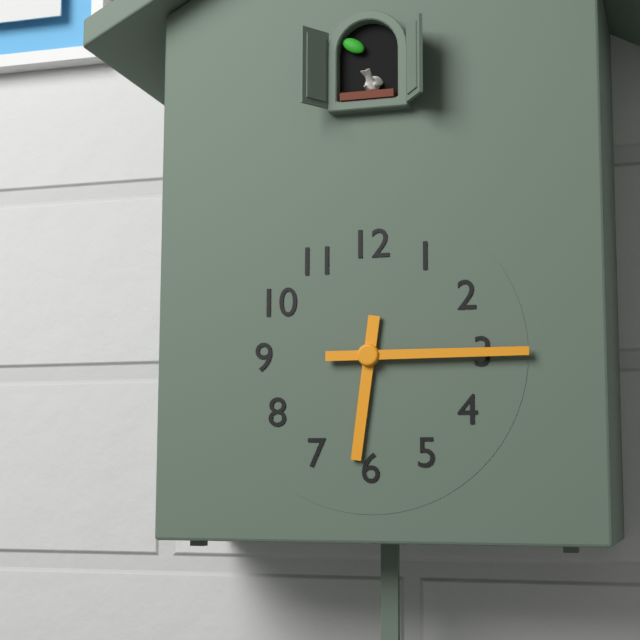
6 h 15 min
